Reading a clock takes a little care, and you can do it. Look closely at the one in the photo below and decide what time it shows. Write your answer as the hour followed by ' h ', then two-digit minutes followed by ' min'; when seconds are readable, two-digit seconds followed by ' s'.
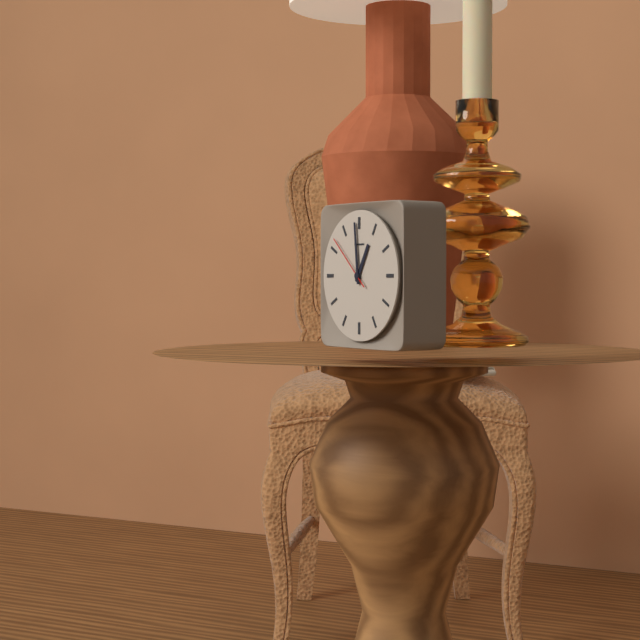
12 h 59 min 52 s
